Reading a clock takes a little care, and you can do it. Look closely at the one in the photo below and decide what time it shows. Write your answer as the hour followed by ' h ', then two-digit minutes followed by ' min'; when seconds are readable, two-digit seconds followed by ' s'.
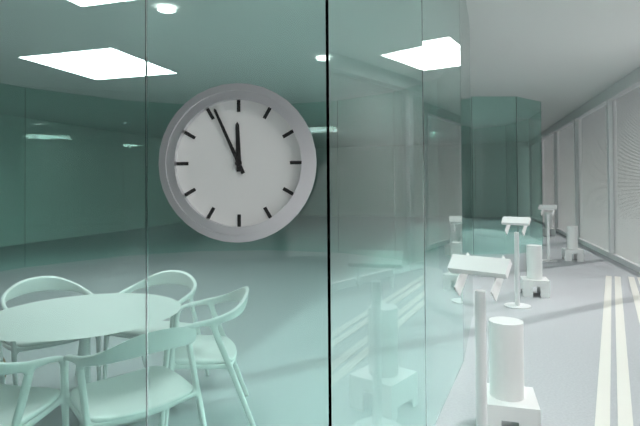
11 h 56 min
